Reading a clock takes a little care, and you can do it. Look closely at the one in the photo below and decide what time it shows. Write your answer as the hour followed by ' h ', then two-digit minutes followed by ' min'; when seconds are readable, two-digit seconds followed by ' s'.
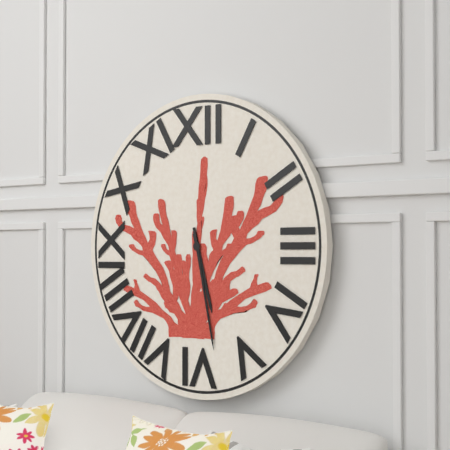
5 h 28 min
